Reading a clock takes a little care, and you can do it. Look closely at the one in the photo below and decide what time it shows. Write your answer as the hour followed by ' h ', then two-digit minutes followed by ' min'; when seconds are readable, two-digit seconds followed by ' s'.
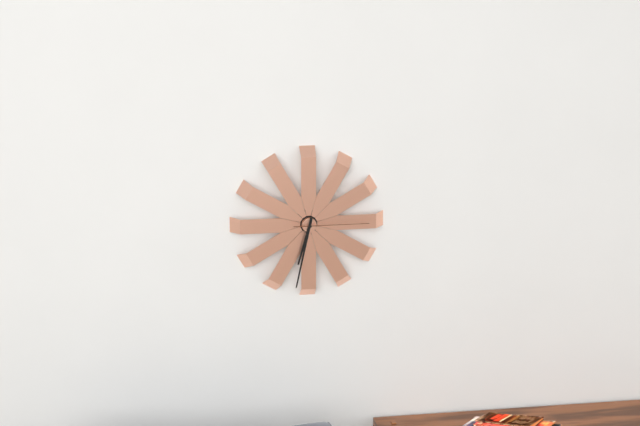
6 h 32 min 15 s
